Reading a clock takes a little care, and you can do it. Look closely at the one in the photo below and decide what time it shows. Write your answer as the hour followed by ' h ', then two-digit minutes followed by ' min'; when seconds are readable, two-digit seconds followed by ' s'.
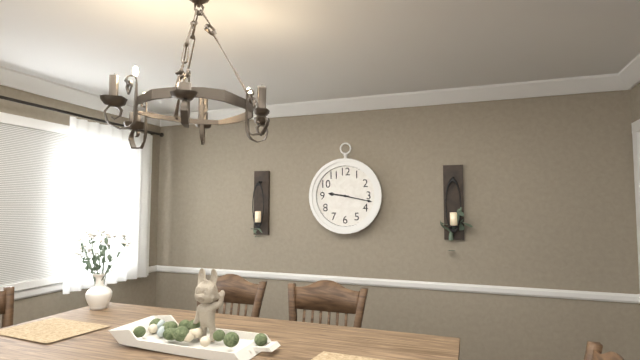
9 h 17 min
